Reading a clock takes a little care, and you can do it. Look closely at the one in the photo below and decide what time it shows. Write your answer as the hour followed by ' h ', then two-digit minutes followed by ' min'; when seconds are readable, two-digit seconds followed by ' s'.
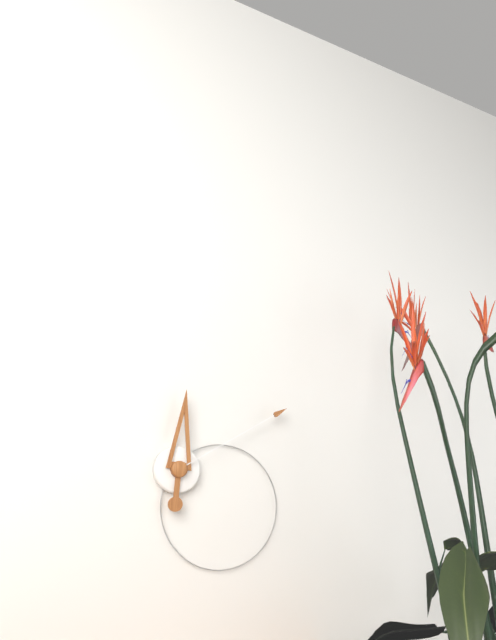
12 h 10 min
